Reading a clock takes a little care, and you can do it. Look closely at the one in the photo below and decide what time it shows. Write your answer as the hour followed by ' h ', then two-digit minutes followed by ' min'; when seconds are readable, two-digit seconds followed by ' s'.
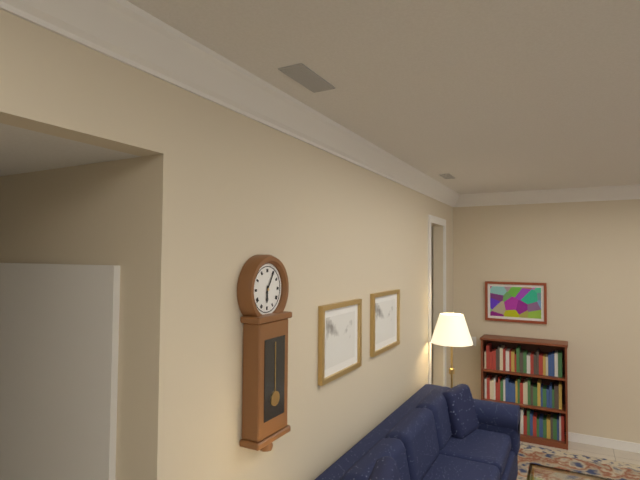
6 h 05 min
